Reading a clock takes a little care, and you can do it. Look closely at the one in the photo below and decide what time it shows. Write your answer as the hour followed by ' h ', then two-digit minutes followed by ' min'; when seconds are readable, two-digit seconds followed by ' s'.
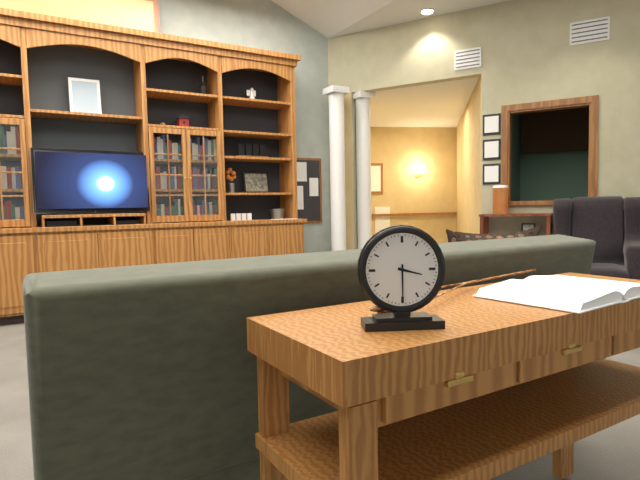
3 h 30 min
